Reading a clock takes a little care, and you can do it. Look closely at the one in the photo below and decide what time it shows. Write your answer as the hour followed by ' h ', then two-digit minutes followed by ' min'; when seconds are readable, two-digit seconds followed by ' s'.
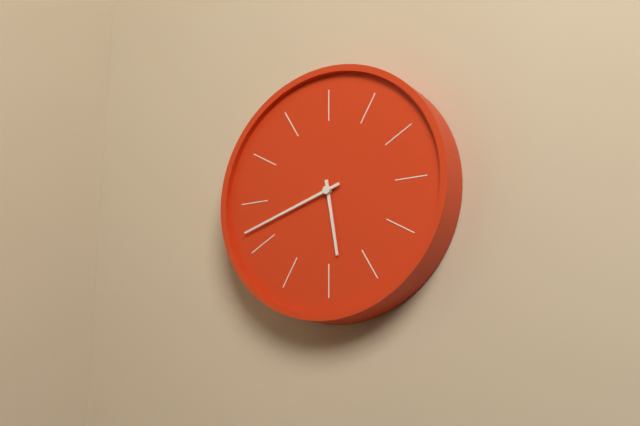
5 h 42 min
